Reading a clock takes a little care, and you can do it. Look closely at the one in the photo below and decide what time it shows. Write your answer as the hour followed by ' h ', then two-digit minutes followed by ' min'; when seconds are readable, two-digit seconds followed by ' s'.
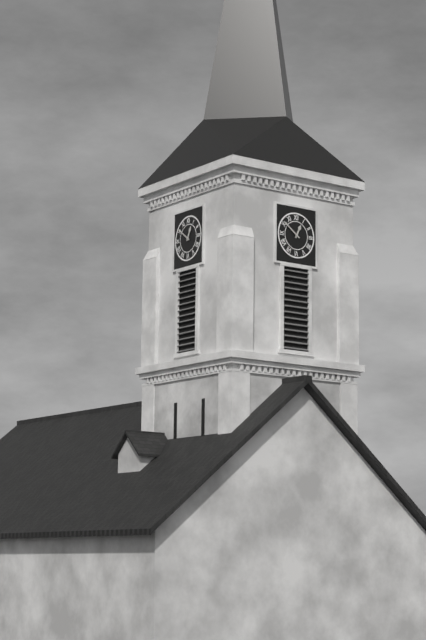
12 h 51 min
